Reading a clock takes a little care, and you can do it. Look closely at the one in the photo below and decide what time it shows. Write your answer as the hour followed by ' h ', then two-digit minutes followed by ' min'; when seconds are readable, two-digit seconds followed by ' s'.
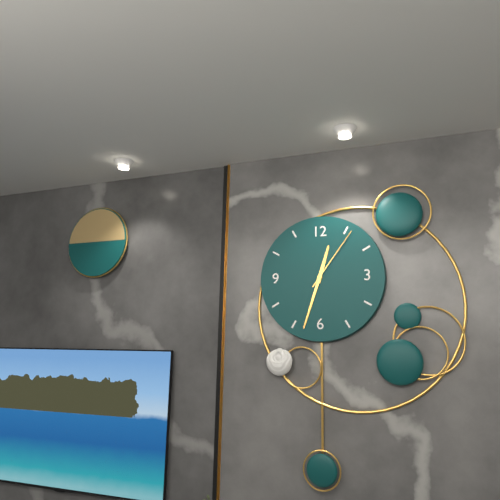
12 h 33 min 06 s
